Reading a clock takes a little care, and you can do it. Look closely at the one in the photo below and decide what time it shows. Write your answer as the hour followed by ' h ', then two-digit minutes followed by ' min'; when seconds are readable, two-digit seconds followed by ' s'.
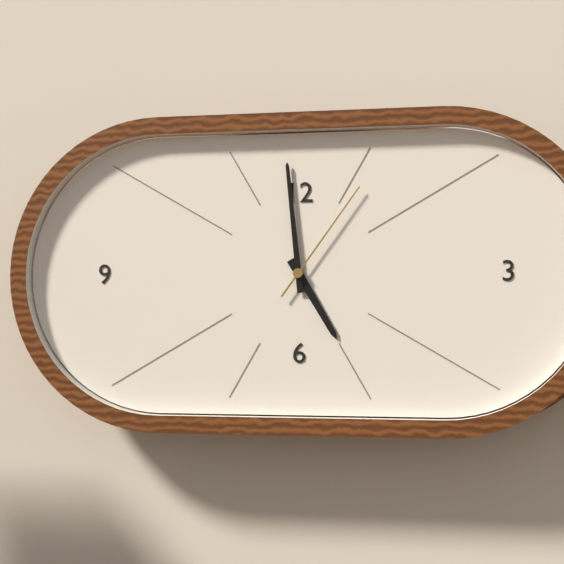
4 h 59 min 06 s
